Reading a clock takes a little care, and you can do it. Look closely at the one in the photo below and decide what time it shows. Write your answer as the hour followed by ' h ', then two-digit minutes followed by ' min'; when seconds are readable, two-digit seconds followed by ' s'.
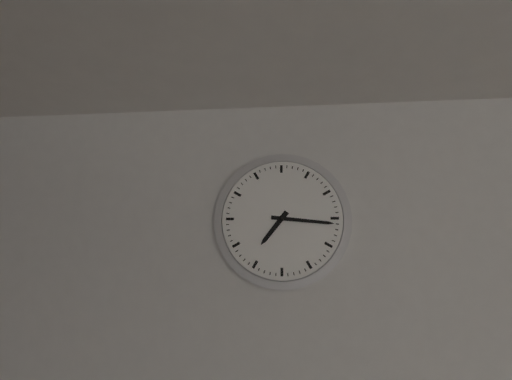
7 h 16 min
